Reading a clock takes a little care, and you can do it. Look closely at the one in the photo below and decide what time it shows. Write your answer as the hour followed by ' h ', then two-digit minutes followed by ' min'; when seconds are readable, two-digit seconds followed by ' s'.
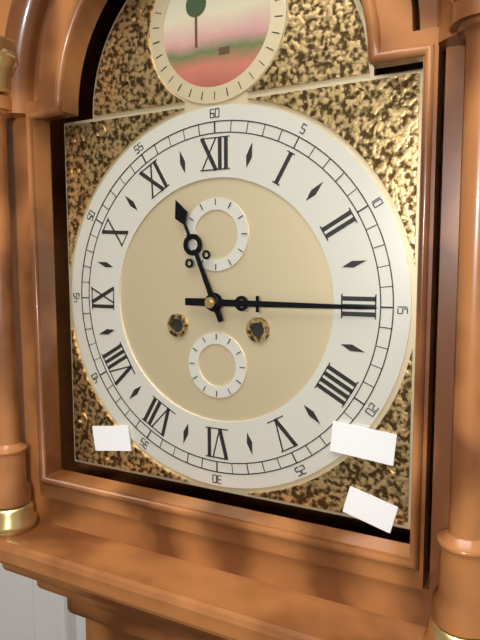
11 h 15 min
